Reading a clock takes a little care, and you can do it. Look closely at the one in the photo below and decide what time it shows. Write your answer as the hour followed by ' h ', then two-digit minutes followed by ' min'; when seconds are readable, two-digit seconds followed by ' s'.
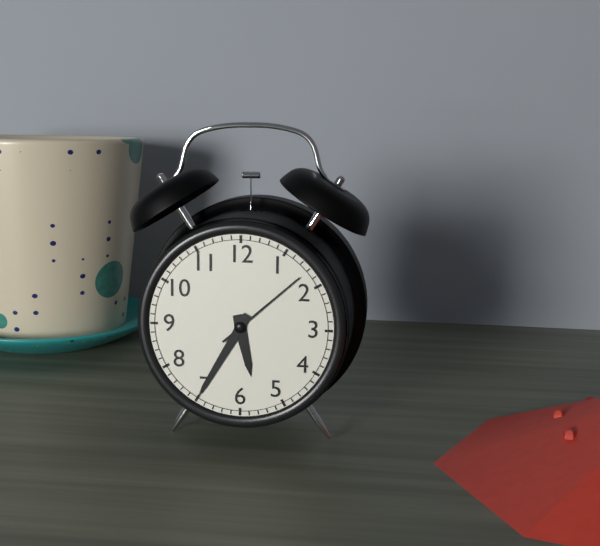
5 h 35 min 08 s
